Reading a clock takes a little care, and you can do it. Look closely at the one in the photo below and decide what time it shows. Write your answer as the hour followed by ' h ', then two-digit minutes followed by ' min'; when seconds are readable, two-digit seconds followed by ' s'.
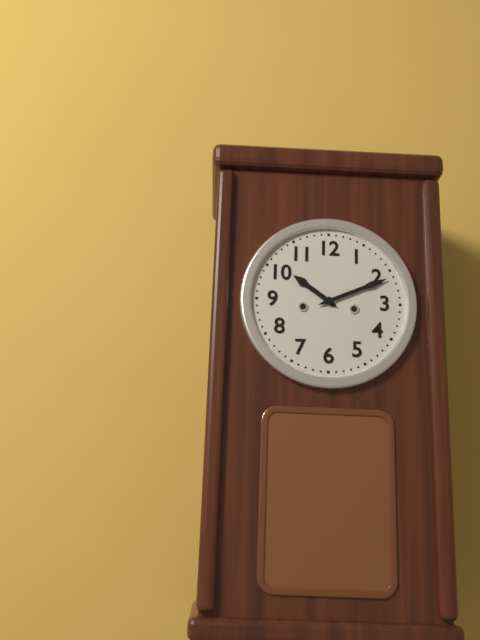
10 h 11 min
